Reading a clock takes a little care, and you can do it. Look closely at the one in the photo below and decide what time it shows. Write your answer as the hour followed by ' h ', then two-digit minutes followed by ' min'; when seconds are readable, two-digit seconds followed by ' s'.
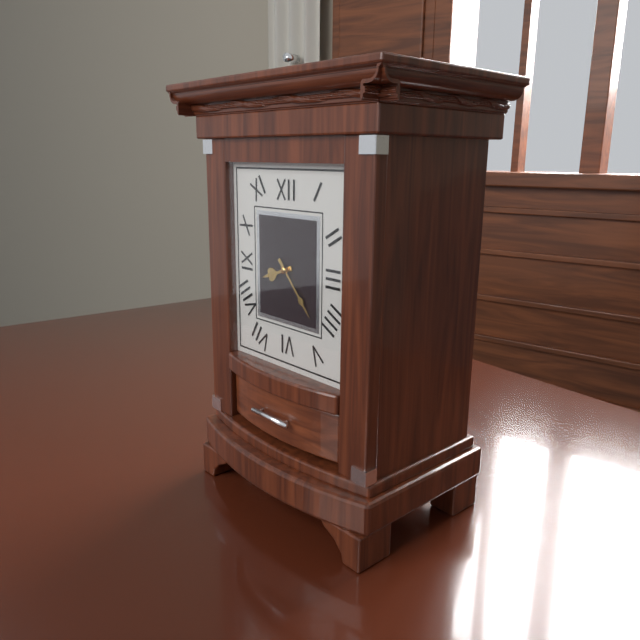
8 h 23 min
